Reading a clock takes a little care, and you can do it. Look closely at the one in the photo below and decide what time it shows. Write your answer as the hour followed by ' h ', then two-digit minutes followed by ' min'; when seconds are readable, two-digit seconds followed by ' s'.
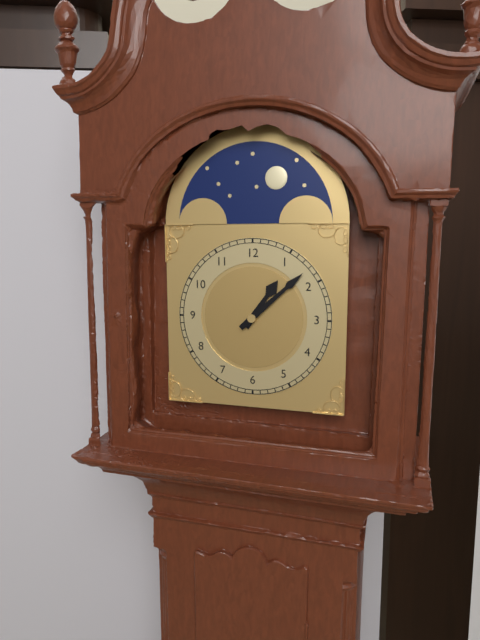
1 h 08 min
